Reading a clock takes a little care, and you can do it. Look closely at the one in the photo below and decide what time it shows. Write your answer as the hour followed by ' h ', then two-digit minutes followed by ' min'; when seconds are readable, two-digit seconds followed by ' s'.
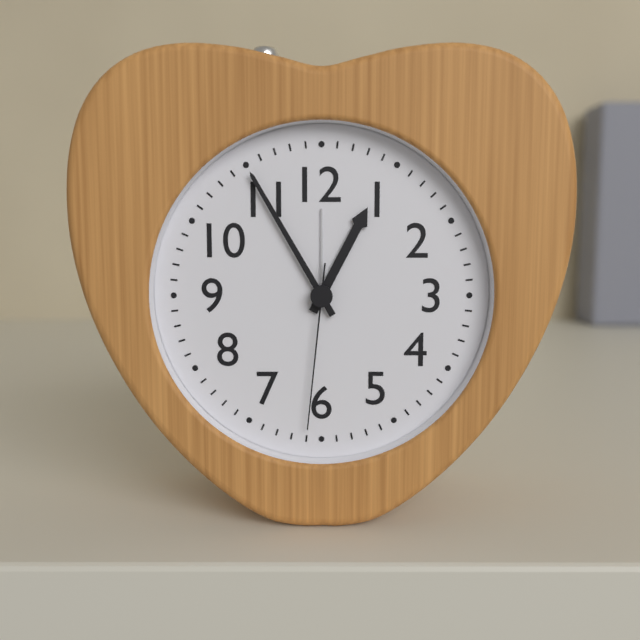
12 h 55 min 31 s
